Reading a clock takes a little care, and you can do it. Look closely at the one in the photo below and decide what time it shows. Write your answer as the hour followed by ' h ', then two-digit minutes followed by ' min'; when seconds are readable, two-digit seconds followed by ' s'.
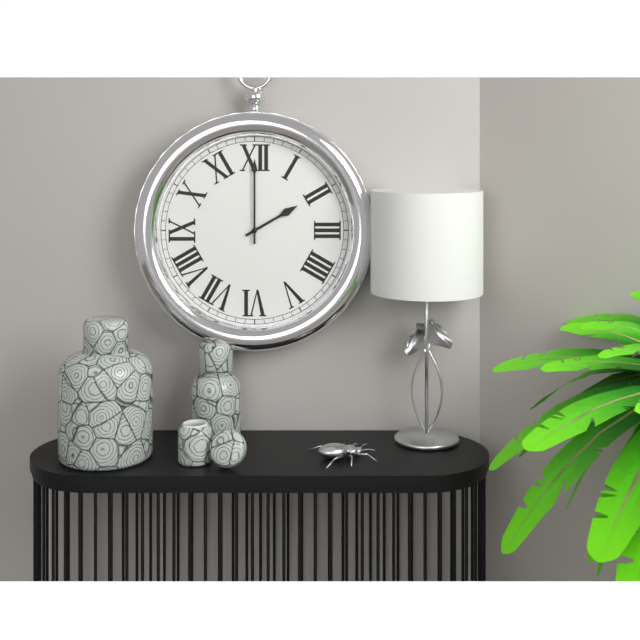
2 h 00 min
